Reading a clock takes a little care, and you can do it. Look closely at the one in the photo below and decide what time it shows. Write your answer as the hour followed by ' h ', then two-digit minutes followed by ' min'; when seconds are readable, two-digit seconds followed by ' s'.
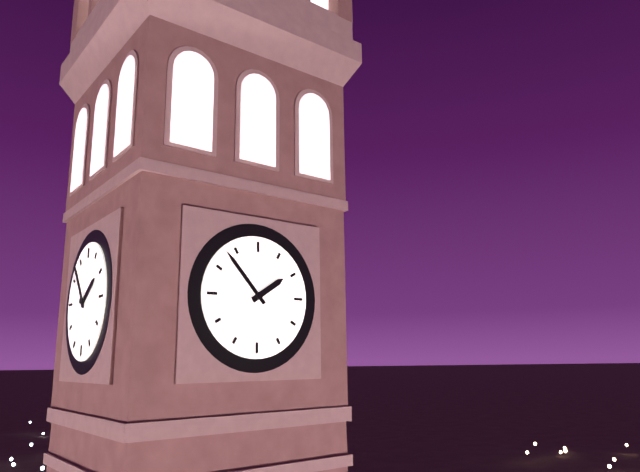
1 h 53 min
